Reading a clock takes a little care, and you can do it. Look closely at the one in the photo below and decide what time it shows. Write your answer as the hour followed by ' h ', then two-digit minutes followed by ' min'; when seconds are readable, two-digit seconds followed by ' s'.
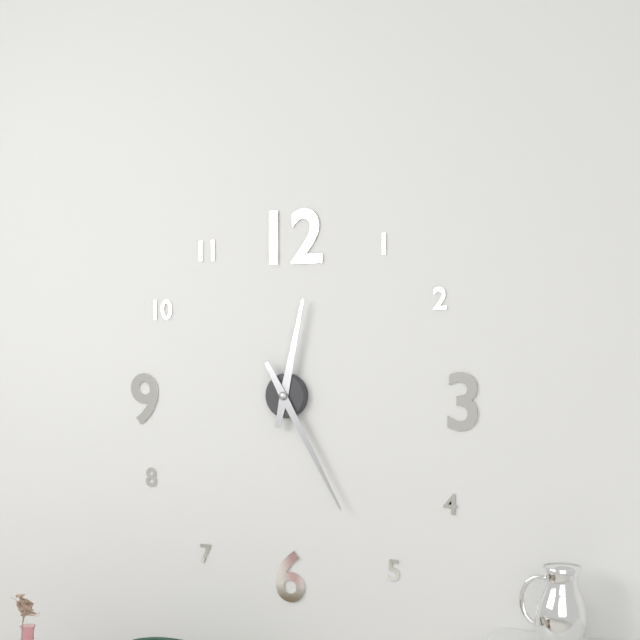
12 h 25 min
